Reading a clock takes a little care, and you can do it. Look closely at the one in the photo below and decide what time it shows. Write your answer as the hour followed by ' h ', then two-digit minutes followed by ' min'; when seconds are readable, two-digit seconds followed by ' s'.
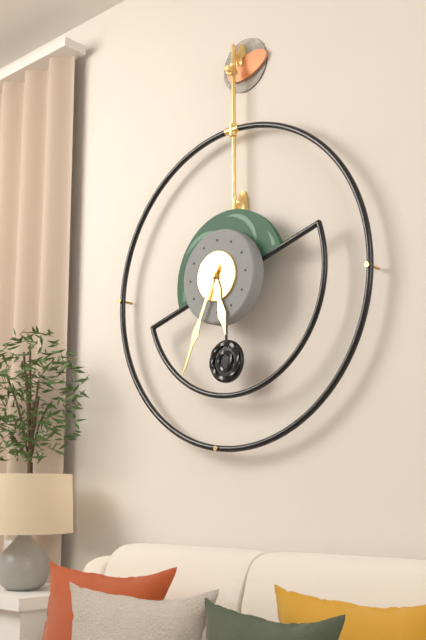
5 h 34 min
